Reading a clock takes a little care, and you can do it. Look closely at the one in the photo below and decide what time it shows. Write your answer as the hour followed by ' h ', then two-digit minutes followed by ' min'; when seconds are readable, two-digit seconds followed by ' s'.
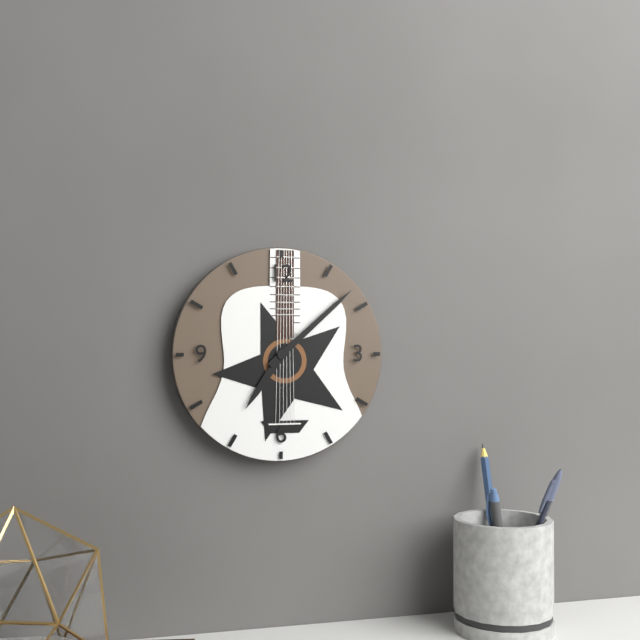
7 h 08 min
